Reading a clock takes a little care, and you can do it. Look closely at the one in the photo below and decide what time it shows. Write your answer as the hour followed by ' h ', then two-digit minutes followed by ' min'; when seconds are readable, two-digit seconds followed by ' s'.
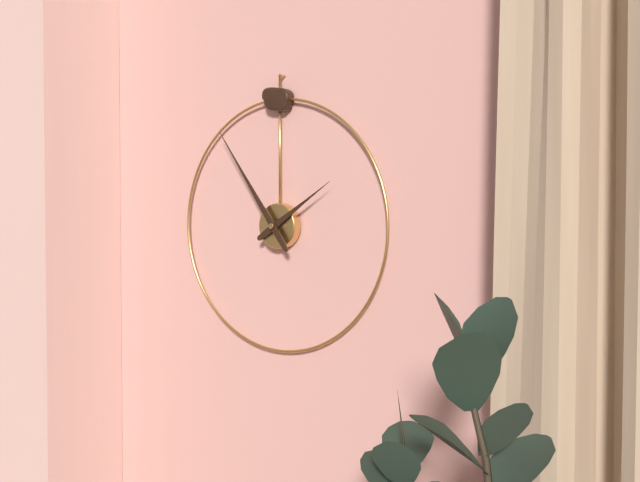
1 h 54 min
